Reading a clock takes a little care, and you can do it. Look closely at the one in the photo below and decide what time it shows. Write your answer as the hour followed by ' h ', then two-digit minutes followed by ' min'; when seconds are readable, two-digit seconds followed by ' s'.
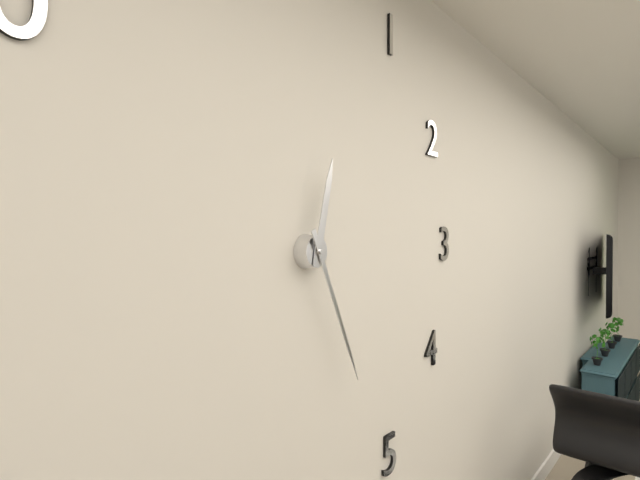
12 h 26 min
